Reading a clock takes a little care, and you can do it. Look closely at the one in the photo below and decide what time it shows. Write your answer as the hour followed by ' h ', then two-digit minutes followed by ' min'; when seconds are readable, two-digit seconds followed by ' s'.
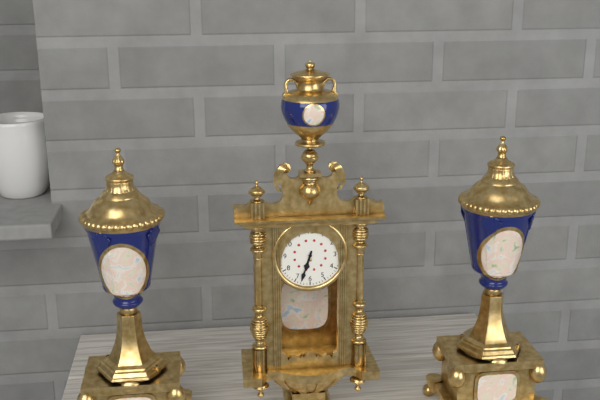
6 h 33 min
